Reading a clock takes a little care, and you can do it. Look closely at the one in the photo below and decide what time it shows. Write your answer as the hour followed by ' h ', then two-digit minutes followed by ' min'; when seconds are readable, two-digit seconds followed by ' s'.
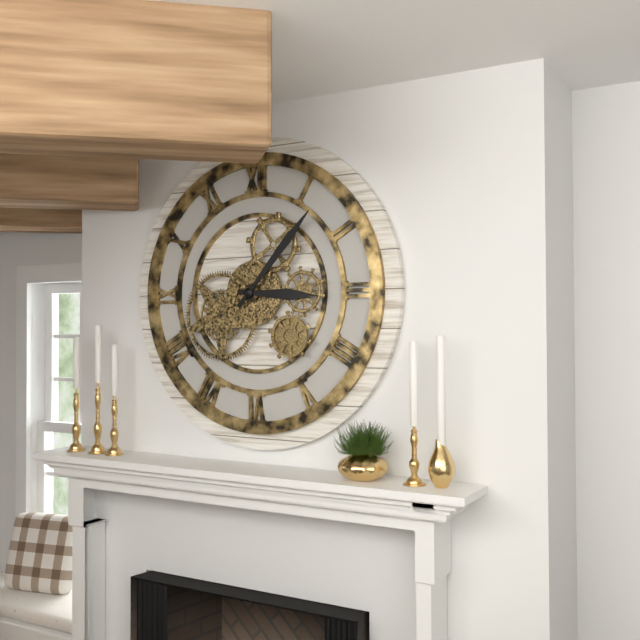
3 h 07 min
